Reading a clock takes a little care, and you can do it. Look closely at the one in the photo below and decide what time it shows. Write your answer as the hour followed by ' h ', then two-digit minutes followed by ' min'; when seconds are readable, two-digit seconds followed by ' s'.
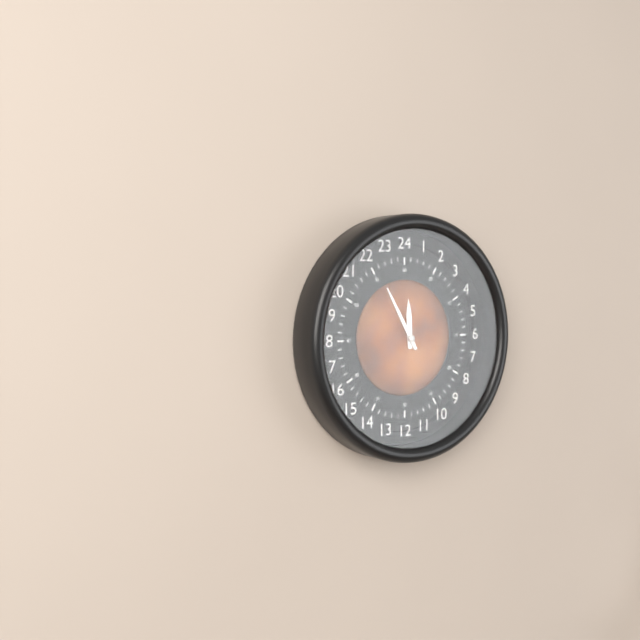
11 h 55 min
